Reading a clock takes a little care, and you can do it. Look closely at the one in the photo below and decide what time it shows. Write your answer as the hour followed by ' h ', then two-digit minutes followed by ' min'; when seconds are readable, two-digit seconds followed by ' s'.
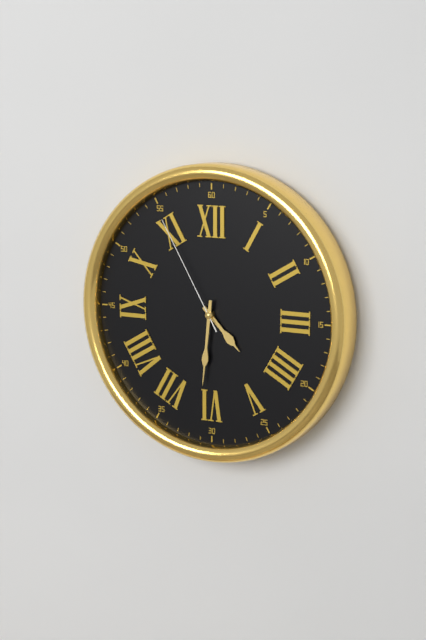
4 h 31 min 55 s
